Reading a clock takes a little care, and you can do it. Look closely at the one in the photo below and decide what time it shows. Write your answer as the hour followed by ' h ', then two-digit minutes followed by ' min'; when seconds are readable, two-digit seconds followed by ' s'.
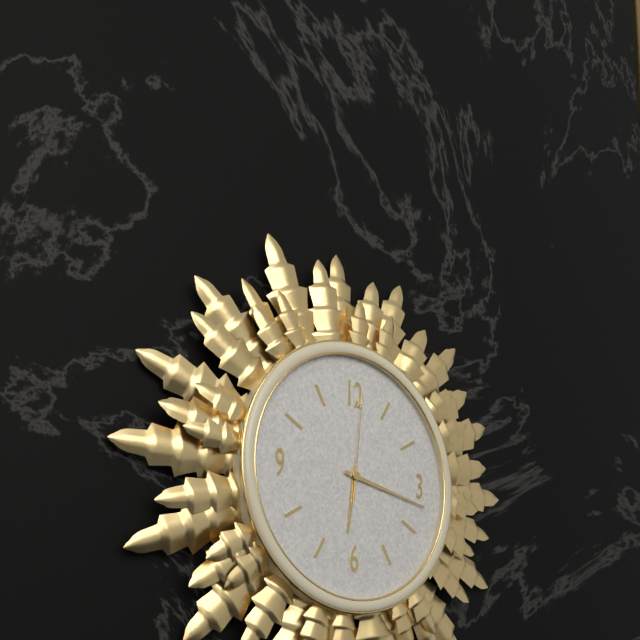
6 h 17 min 01 s
